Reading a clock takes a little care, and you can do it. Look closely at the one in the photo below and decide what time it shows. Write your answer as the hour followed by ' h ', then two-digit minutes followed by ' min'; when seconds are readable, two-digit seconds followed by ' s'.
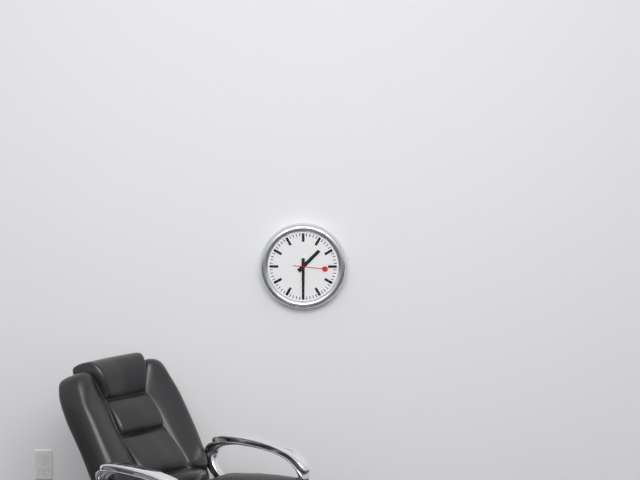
1 h 30 min
